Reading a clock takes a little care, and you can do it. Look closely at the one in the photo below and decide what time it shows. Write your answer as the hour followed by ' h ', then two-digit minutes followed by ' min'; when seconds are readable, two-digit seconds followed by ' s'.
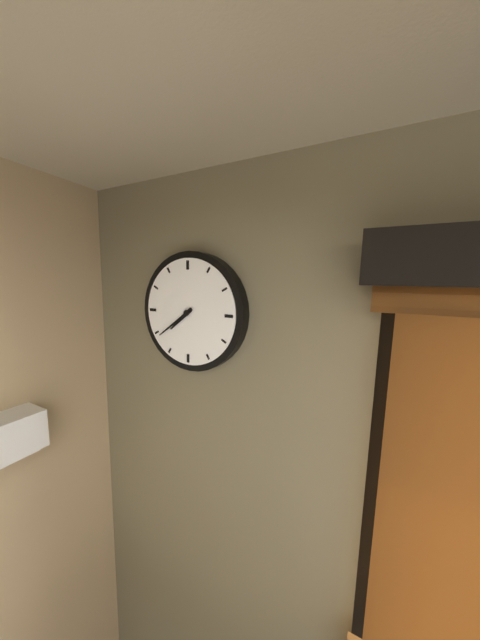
7 h 39 min
